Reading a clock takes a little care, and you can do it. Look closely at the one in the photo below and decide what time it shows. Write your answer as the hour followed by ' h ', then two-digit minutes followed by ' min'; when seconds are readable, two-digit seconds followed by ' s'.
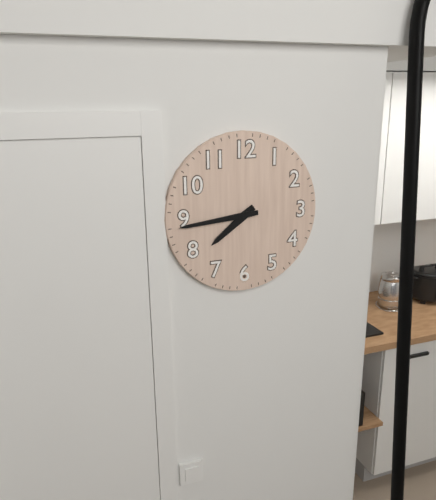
7 h 44 min
